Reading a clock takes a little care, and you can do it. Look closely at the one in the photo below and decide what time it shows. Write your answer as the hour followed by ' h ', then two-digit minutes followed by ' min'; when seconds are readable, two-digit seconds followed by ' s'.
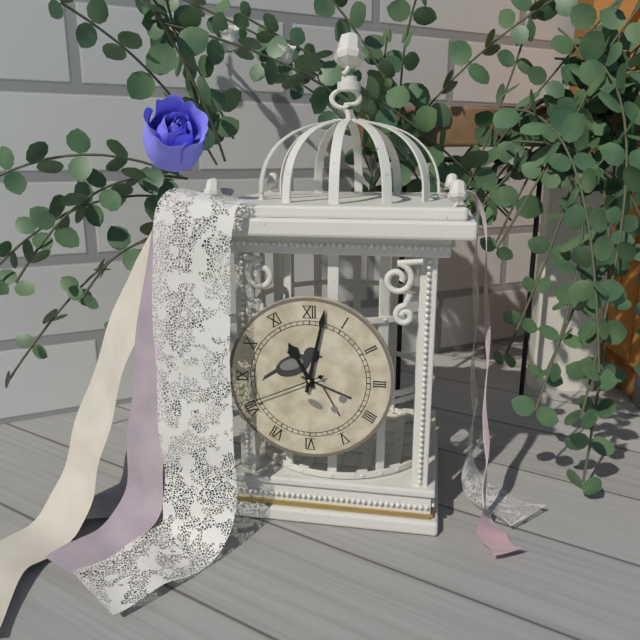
11 h 02 min 41 s
